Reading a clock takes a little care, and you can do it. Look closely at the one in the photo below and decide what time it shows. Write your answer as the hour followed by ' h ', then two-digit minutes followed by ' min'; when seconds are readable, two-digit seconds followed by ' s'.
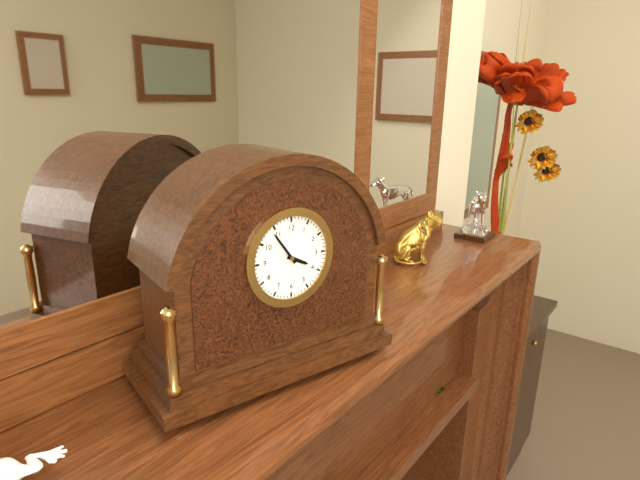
3 h 54 min
